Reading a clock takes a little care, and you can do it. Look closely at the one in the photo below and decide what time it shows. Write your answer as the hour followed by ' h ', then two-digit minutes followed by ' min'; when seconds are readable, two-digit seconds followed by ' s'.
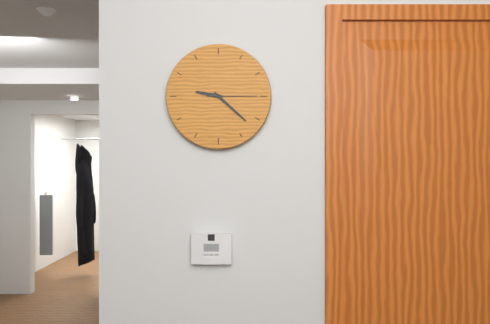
9 h 22 min
